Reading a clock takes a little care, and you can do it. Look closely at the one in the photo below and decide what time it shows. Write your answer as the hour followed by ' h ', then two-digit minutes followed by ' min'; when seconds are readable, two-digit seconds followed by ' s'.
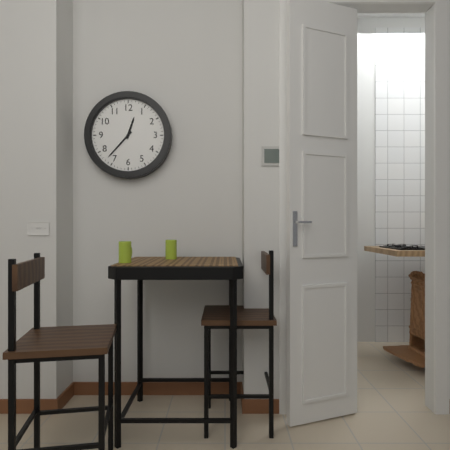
12 h 37 min
